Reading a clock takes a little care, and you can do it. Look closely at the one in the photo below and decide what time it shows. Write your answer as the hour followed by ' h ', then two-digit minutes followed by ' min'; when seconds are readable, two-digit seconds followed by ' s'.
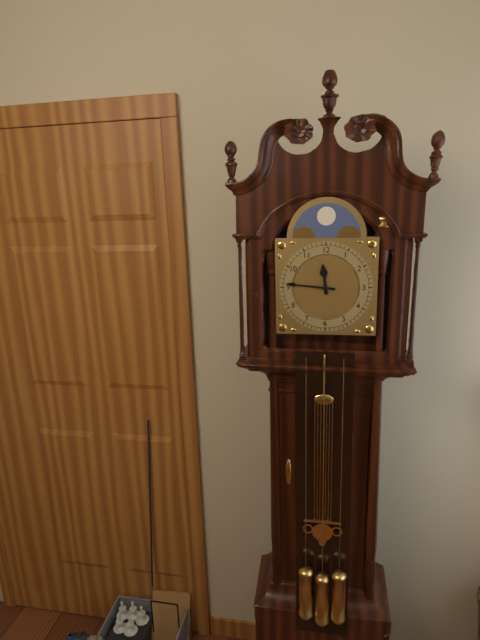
11 h 46 min
